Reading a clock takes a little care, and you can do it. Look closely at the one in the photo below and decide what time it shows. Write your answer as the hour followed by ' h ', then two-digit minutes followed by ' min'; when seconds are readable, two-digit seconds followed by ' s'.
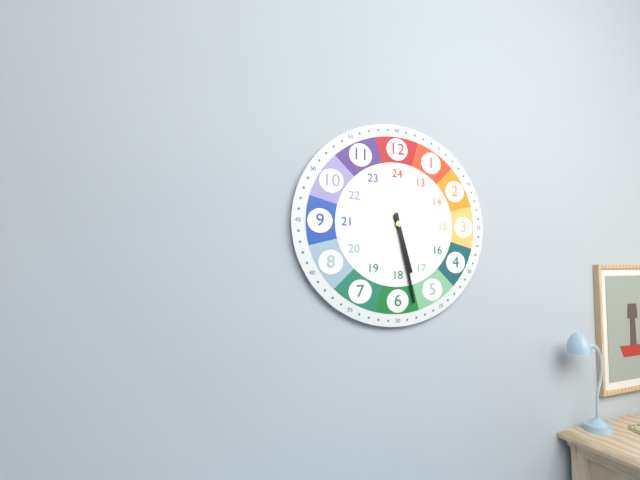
5 h 28 min
